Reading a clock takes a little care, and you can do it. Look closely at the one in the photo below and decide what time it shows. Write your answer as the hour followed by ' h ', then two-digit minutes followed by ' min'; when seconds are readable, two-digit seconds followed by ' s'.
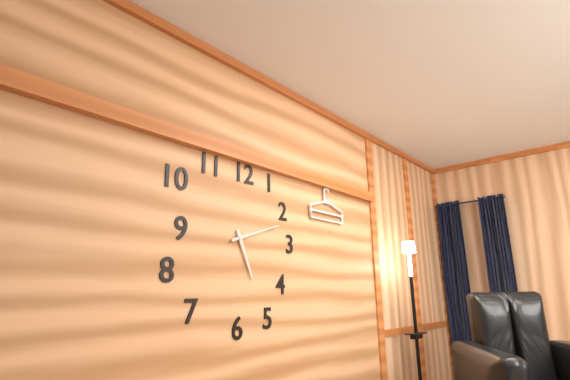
5 h 12 min
